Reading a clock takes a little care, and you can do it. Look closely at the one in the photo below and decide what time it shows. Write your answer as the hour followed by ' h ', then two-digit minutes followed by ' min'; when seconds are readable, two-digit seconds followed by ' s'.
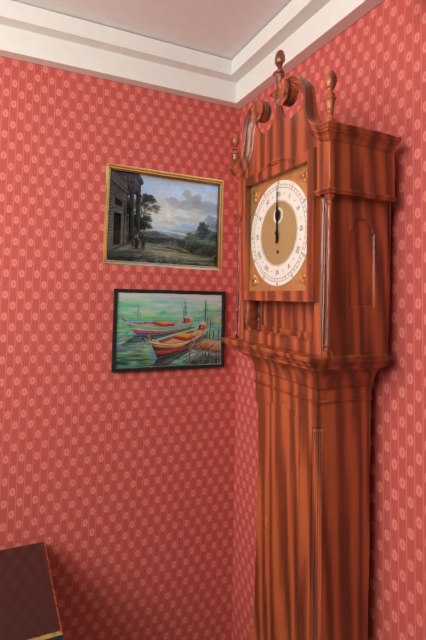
12 h 00 min
